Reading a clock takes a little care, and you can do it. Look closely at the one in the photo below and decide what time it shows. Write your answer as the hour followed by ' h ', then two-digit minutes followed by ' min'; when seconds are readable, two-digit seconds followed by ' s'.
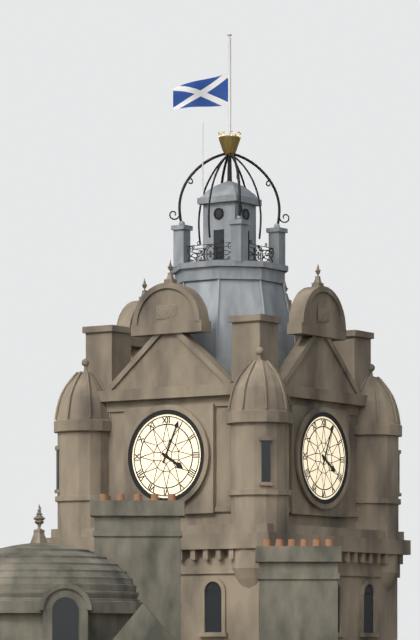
4 h 04 min
